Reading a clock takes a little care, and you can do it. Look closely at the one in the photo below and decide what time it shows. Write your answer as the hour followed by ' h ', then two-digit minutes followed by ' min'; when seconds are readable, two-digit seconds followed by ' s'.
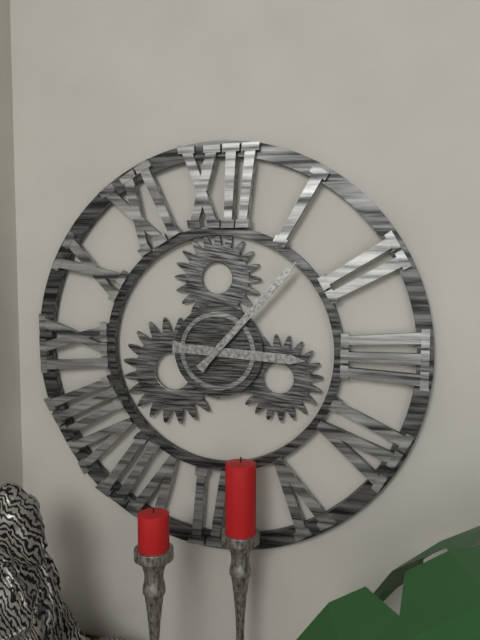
3 h 07 min
